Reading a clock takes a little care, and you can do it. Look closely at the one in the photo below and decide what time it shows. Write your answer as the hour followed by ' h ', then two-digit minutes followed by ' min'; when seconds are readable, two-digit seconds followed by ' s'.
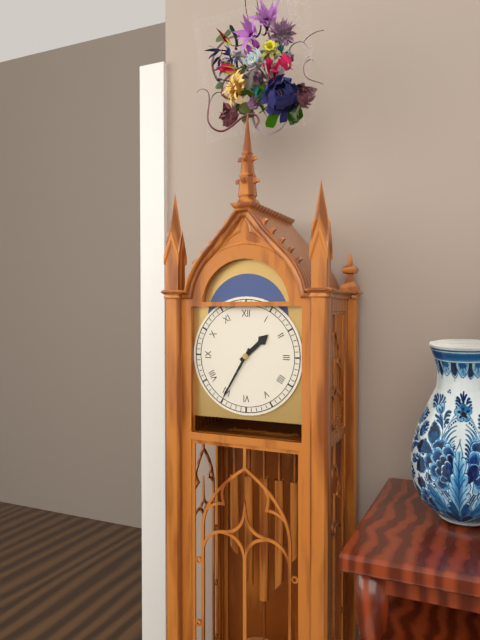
1 h 35 min
